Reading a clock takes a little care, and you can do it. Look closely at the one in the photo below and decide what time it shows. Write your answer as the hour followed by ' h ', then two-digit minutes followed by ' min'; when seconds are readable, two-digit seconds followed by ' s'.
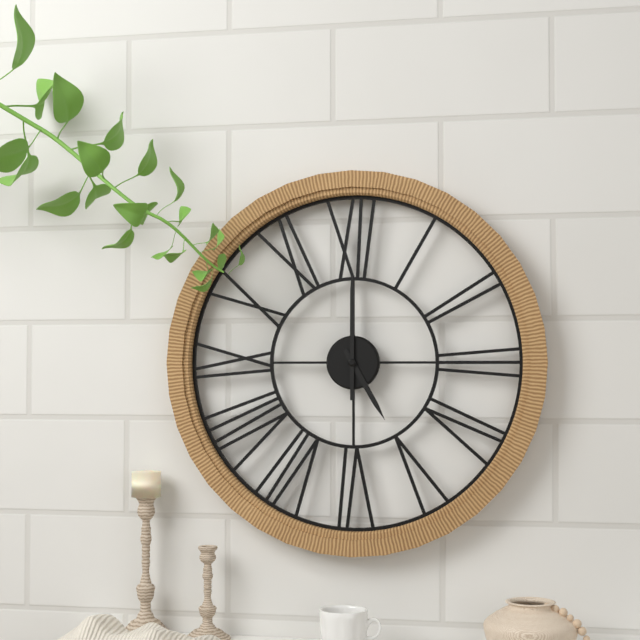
5 h 00 min
